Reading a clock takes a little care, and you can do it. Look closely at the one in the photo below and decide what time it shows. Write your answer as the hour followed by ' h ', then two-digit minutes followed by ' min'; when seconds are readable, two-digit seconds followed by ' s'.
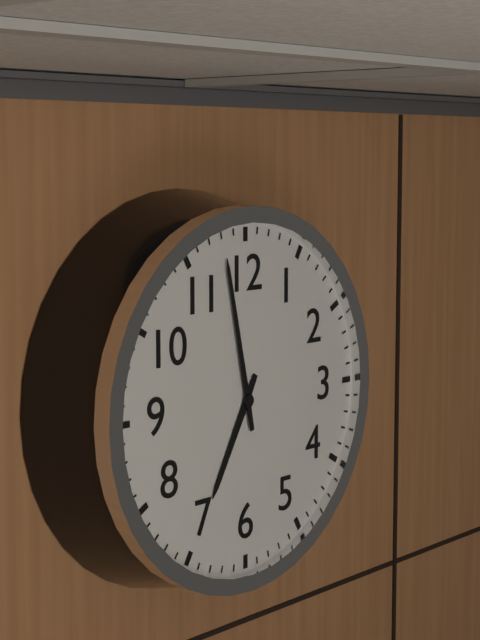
6 h 58 min
